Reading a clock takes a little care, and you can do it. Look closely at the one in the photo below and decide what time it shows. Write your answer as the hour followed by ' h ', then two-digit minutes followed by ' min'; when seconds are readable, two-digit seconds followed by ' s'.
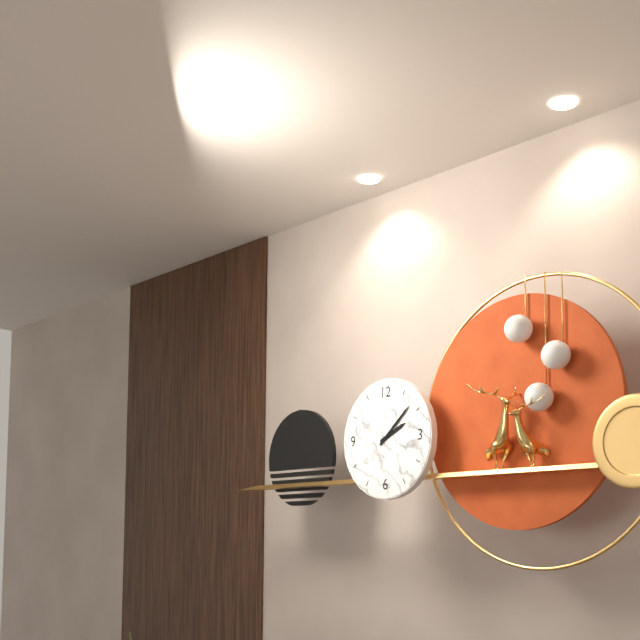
2 h 08 min
